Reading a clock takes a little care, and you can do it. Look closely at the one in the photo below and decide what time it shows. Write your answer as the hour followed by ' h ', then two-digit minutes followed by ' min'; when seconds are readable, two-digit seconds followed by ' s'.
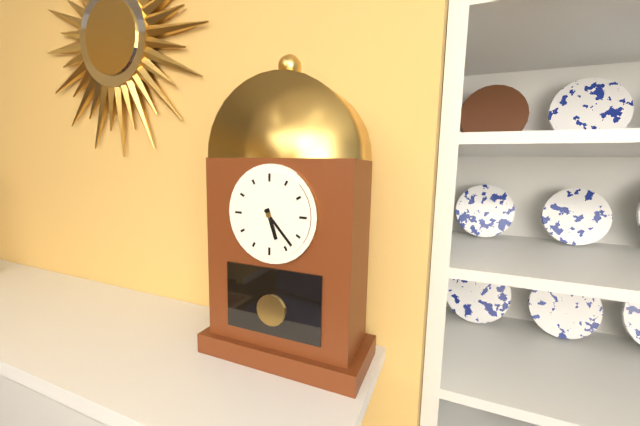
5 h 23 min
